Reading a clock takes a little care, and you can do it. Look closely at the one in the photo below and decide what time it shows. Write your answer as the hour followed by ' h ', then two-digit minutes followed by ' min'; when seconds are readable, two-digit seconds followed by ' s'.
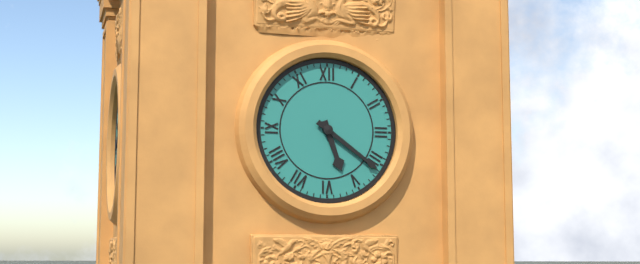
5 h 21 min
